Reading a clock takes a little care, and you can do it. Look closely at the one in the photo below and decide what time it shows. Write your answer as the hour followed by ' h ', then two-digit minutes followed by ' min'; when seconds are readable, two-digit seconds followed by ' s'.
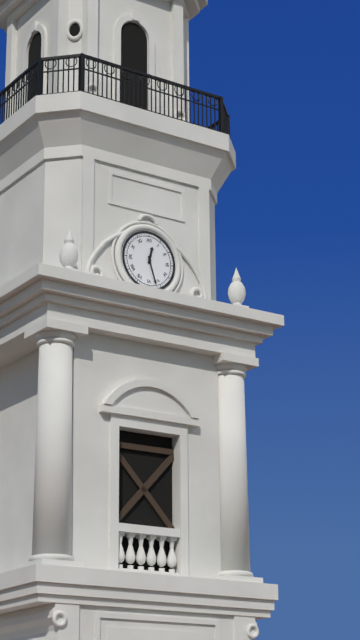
12 h 27 min
